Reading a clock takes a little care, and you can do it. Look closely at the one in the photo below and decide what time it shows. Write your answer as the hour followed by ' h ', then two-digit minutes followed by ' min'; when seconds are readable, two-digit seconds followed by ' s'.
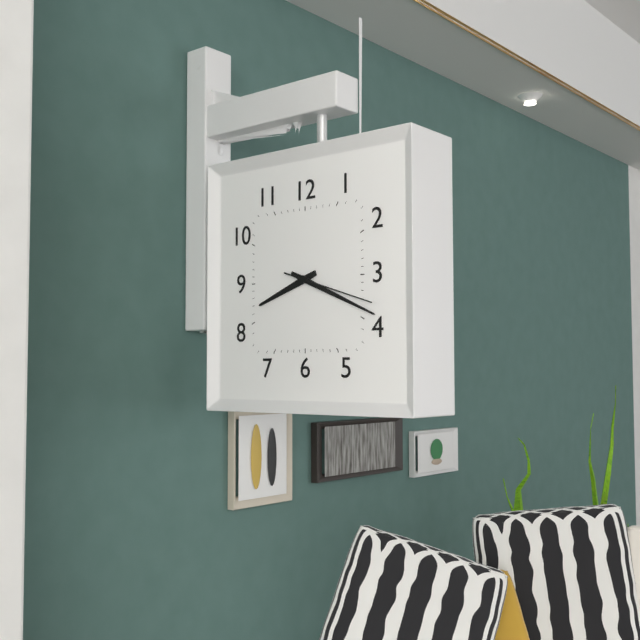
8 h 19 min 18 s
